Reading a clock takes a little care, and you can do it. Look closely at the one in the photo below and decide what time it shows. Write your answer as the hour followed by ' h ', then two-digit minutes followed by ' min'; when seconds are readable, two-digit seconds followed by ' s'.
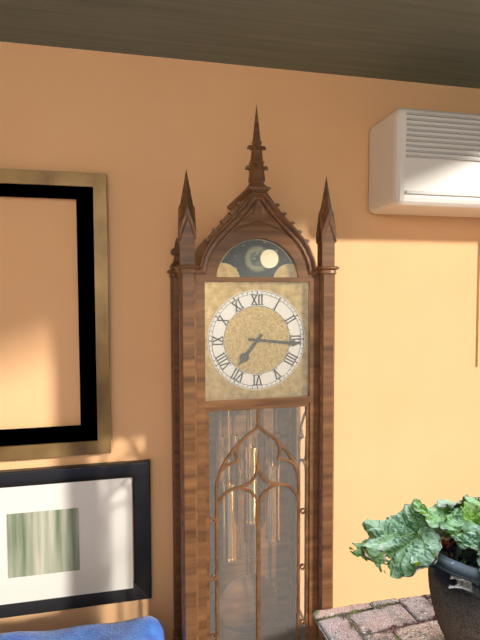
7 h 16 min
